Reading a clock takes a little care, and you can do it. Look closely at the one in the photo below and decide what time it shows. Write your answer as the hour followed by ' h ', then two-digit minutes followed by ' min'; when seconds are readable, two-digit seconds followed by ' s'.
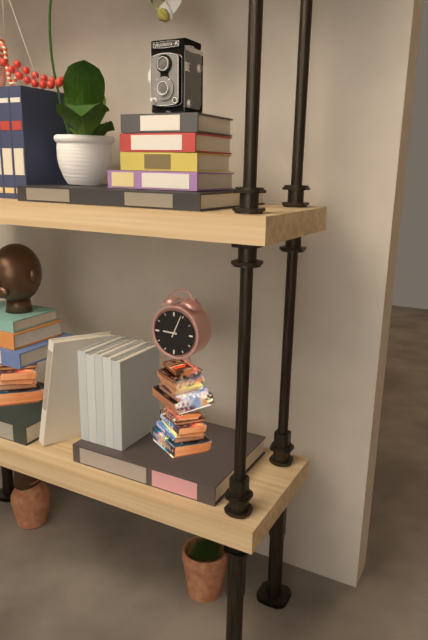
9 h 04 min
